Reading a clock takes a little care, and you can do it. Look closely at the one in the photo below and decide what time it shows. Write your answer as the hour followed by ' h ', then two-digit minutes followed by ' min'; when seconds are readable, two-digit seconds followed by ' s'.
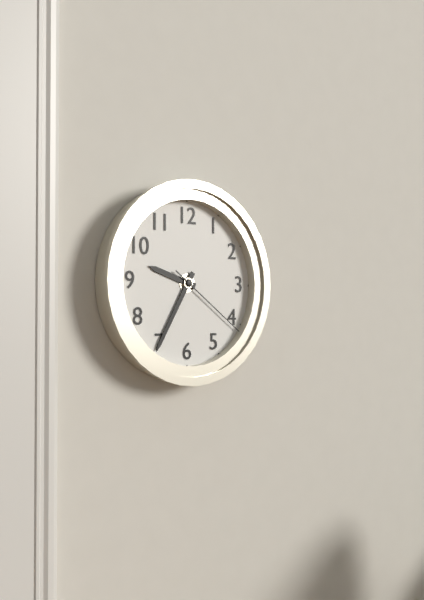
9 h 35 min 21 s
